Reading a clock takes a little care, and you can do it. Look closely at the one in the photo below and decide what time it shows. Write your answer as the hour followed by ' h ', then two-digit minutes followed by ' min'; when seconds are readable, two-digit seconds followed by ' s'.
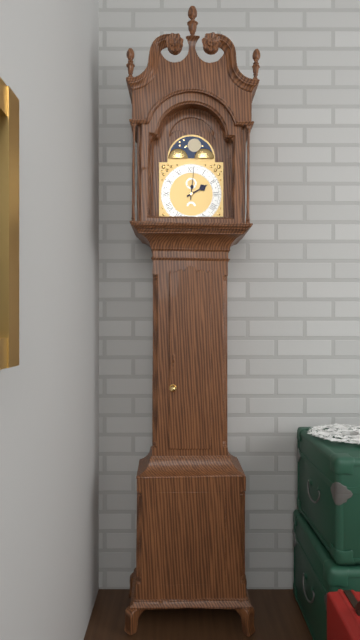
2 h 01 min
